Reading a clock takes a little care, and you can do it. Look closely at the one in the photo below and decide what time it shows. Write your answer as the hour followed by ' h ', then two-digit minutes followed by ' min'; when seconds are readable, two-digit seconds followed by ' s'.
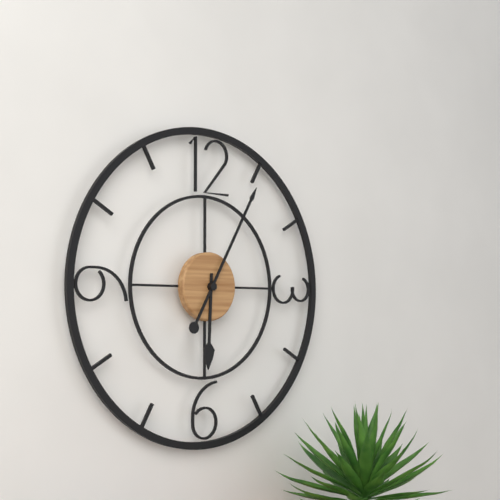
6 h 05 min
